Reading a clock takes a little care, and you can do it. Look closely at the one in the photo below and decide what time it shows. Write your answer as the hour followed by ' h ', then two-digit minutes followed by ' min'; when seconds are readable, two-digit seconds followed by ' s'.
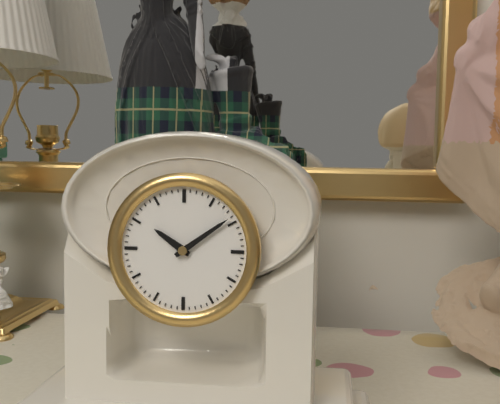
10 h 09 min
